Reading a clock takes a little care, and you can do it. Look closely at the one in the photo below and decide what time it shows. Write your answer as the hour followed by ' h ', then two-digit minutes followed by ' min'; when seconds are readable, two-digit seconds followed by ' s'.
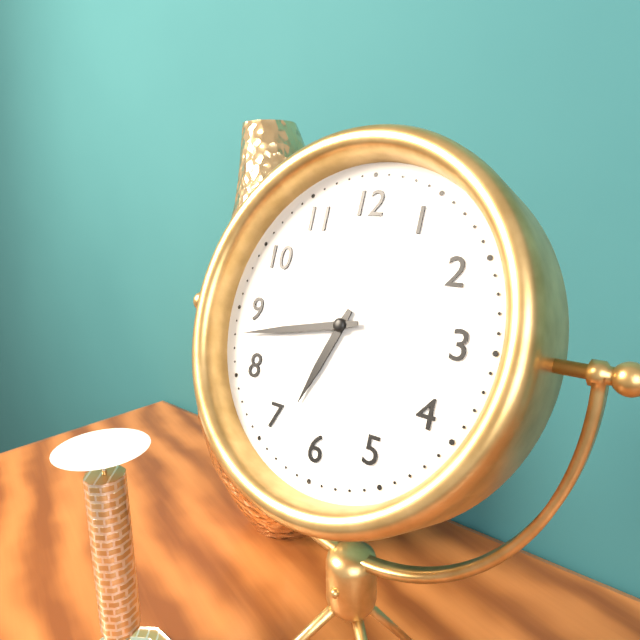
6 h 43 min
